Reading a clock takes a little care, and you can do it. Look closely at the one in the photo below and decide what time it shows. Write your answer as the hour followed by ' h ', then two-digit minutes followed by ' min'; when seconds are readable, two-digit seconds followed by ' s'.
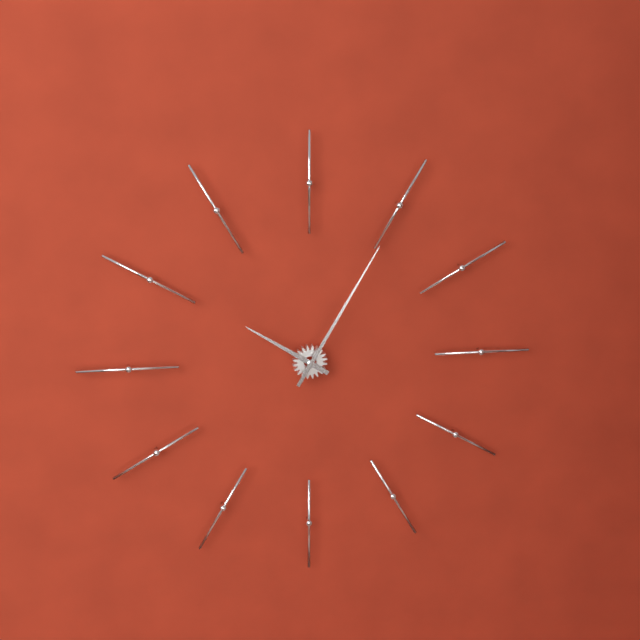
10 h 05 min
